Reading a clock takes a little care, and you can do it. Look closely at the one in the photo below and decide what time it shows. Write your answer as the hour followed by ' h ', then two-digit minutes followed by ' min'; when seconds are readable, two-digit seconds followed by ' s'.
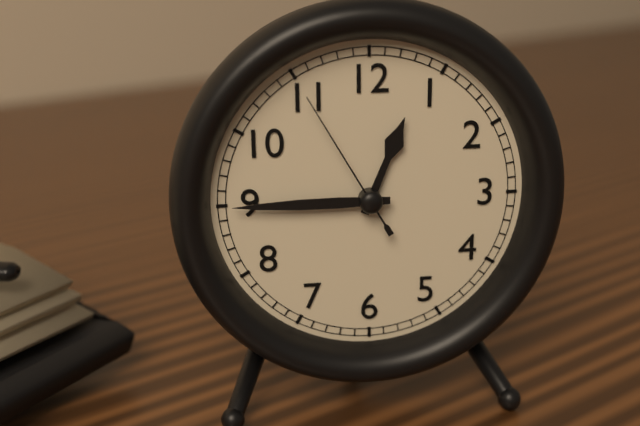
12 h 45 min 55 s
